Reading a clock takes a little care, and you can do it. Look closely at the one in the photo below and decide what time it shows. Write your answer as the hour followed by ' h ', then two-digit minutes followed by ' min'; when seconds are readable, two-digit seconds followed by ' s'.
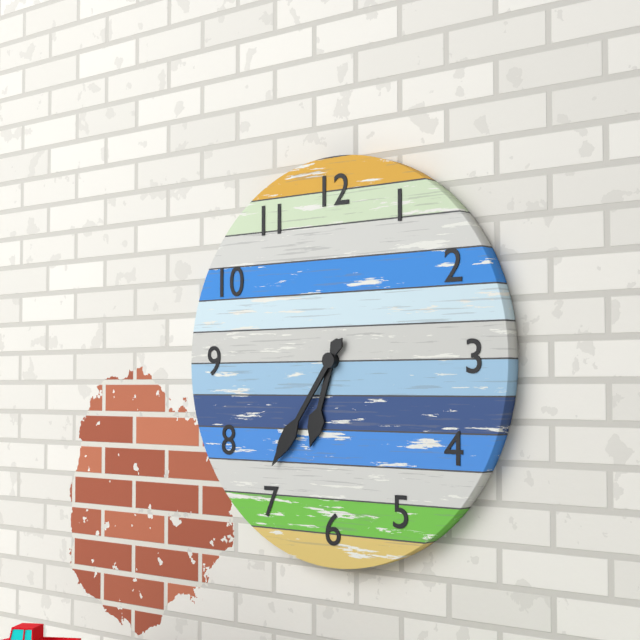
6 h 36 min
